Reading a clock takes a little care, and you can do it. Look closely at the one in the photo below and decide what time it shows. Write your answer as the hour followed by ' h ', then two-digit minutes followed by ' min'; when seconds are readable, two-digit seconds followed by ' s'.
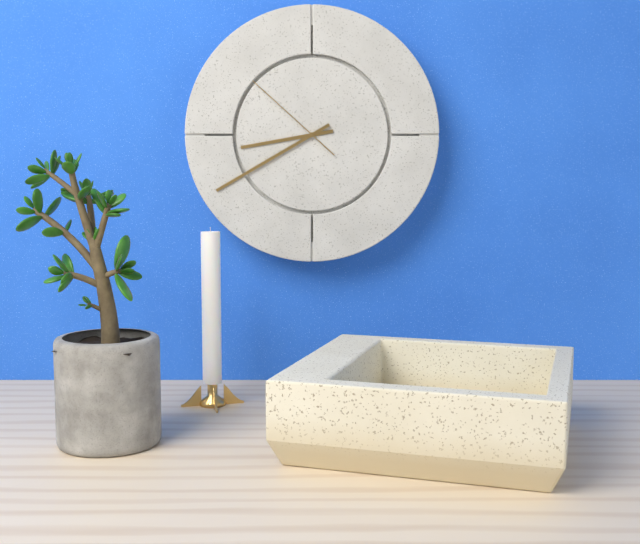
8 h 40 min 52 s
